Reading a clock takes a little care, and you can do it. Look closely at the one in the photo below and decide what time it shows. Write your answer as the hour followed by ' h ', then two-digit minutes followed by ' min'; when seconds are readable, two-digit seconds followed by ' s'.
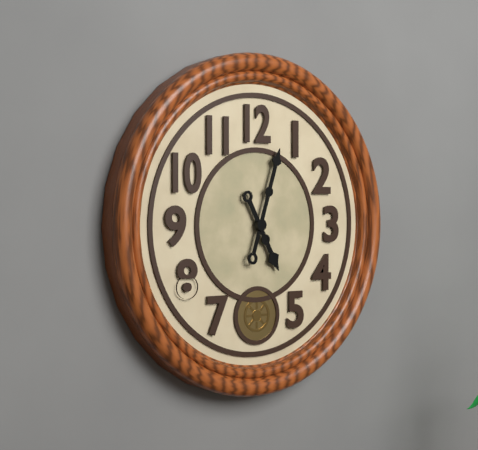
5 h 03 min
